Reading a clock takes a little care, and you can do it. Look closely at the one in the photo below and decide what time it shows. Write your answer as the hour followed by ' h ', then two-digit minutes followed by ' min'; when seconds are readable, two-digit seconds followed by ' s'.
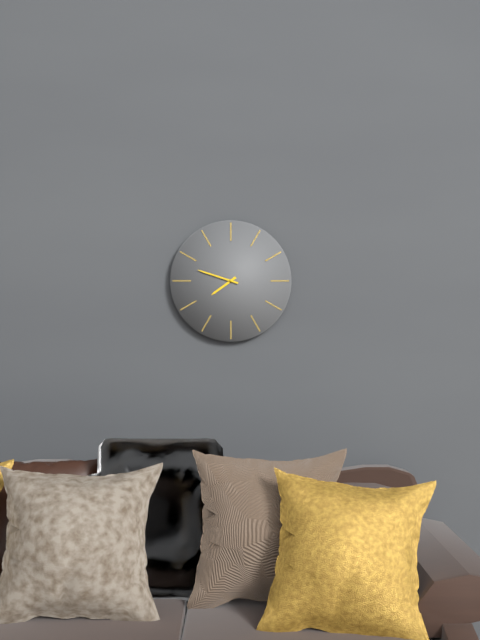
7 h 48 min
